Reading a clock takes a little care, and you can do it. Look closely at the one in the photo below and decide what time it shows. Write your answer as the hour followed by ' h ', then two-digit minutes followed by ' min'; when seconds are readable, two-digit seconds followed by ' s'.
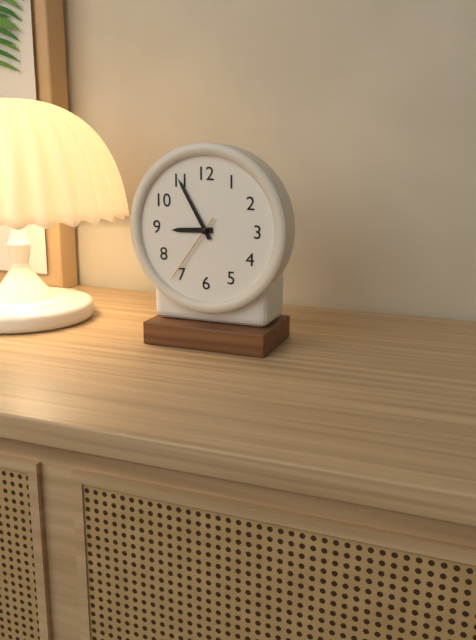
8 h 55 min 36 s
